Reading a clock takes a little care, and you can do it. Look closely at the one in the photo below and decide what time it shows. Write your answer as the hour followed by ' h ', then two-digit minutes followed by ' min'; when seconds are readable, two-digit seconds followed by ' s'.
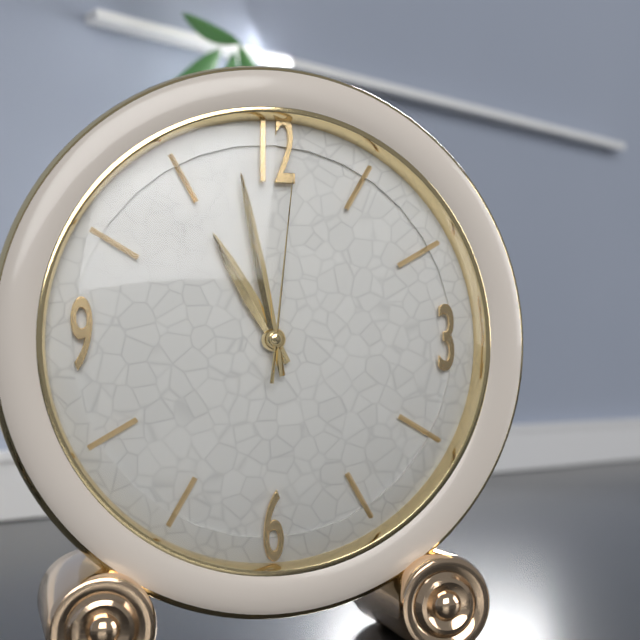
10 h 58 min 01 s
